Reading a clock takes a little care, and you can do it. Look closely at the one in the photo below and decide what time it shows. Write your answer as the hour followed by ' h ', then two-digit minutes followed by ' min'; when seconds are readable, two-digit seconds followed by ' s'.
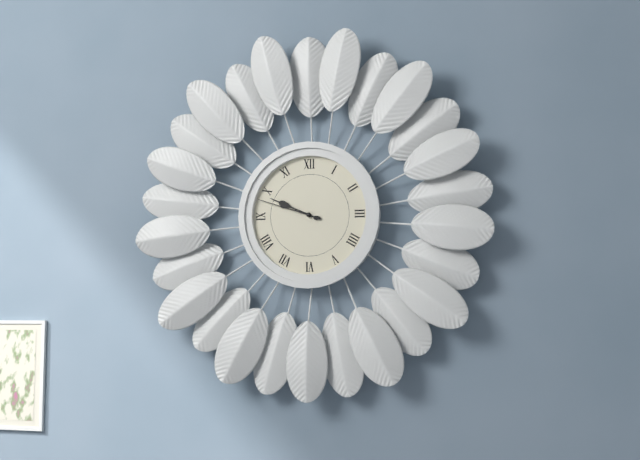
9 h 48 min
